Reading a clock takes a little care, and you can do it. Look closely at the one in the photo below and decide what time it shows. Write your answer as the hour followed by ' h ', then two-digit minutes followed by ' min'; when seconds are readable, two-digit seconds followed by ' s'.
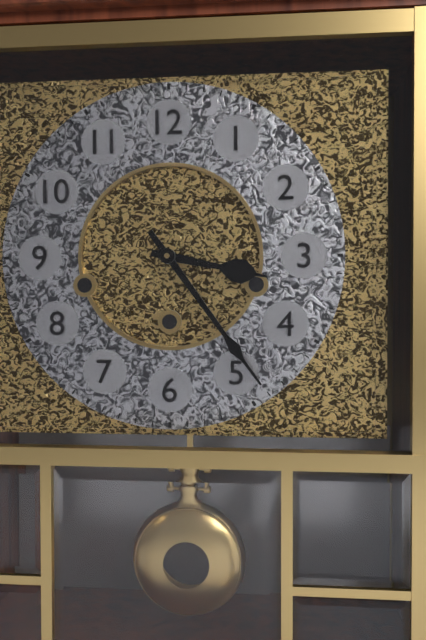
3 h 24 min
